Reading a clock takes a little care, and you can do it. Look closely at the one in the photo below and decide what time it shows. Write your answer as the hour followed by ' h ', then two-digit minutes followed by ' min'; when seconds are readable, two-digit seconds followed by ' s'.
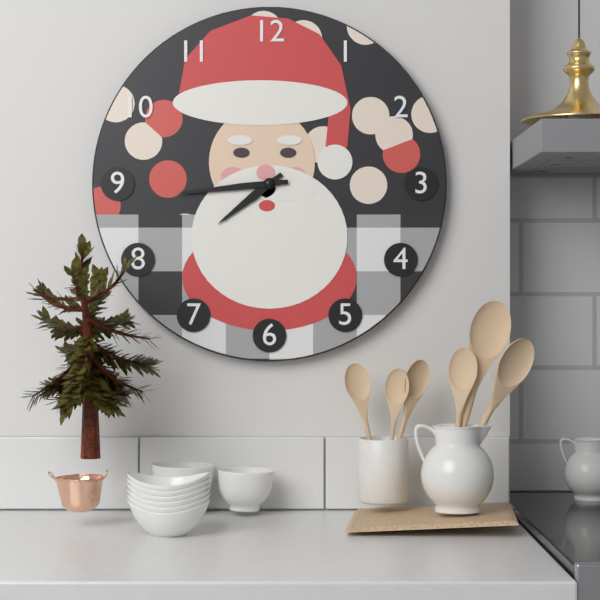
7 h 44 min
